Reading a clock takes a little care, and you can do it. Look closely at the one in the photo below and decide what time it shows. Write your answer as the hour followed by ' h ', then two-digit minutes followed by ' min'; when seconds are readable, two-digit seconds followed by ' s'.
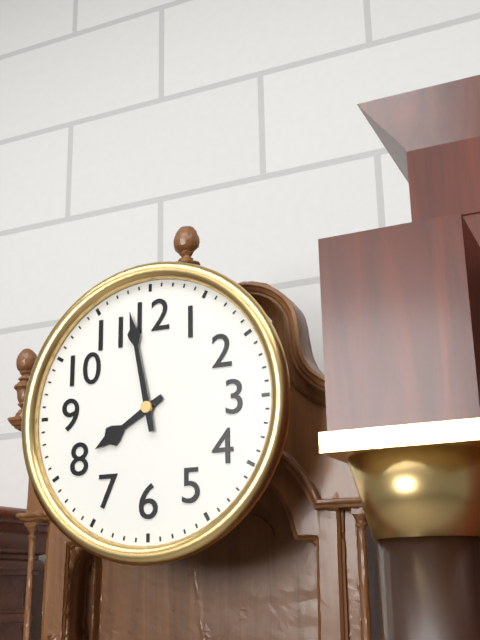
7 h 58 min
